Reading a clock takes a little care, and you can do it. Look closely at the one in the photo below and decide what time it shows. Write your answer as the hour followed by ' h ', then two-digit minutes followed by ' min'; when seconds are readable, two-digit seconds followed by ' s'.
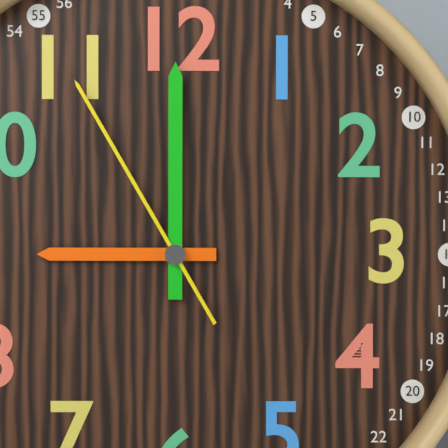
9 h 00 min 55 s
